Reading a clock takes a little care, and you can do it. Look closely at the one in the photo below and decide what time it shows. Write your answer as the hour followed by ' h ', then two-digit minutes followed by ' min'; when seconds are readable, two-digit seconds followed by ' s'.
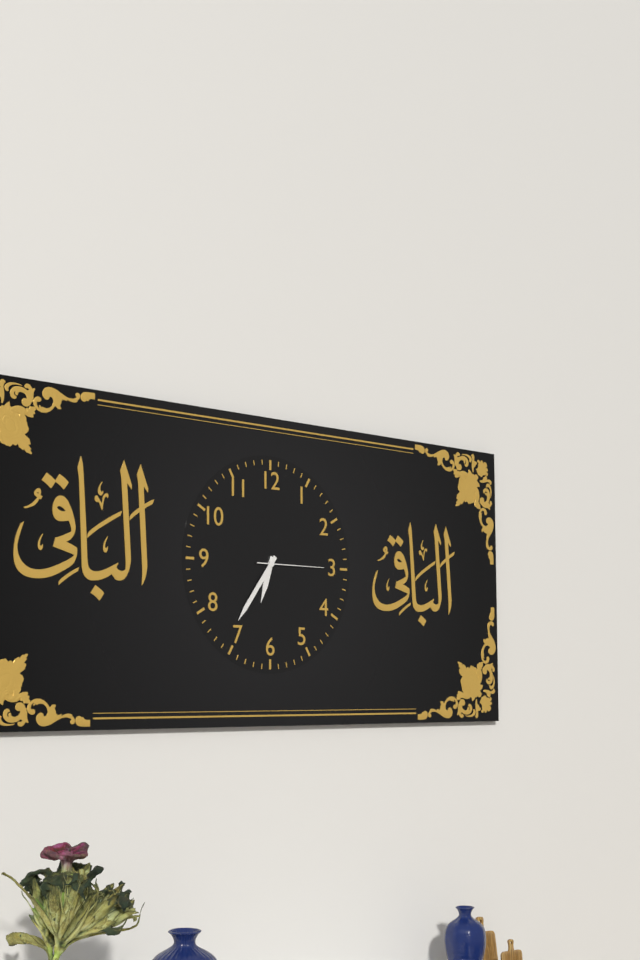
6 h 36 min 15 s
